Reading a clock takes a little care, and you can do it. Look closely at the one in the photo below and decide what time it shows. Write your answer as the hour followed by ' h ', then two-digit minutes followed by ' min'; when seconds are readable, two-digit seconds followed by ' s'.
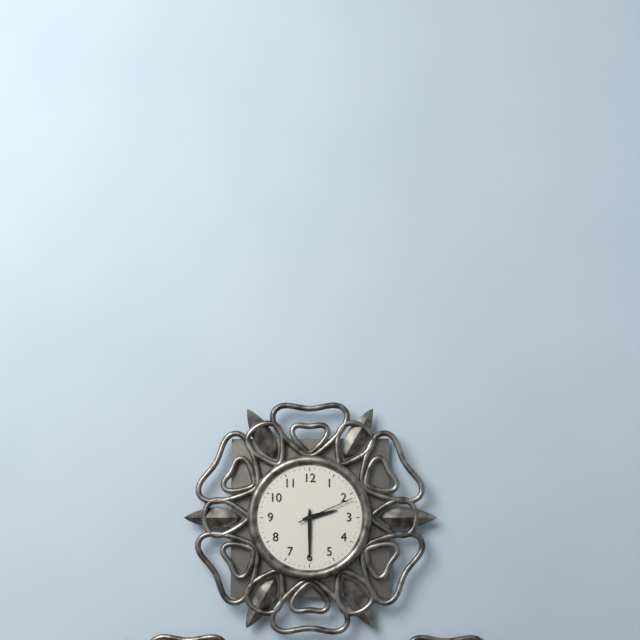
2 h 30 min 11 s
